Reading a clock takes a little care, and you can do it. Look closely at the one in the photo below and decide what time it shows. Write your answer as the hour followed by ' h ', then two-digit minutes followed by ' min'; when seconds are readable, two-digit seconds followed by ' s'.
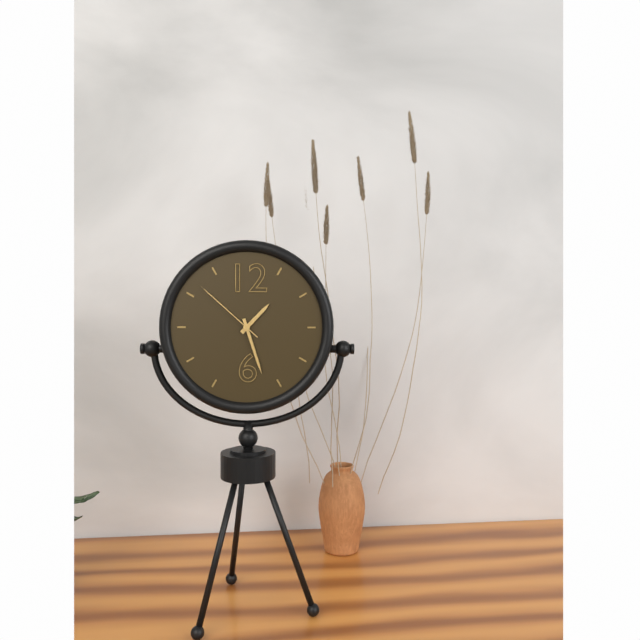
1 h 27 min 52 s
